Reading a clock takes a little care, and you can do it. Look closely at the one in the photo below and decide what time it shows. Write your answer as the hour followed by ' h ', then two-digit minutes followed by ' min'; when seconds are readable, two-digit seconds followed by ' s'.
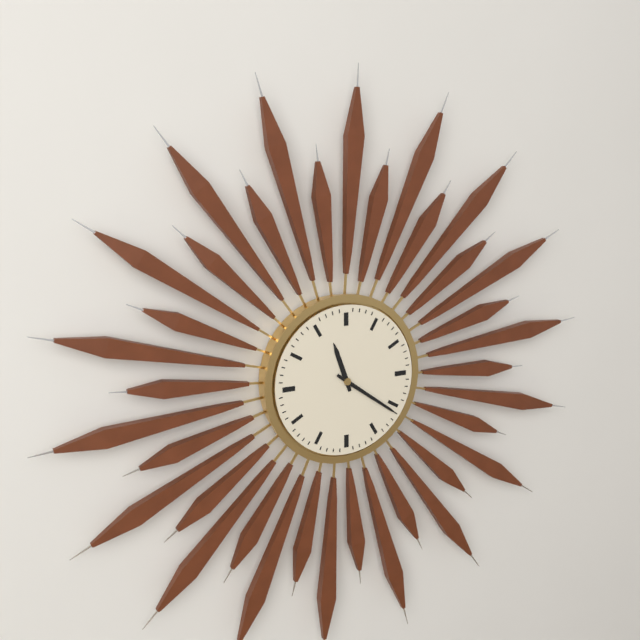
11 h 21 min
